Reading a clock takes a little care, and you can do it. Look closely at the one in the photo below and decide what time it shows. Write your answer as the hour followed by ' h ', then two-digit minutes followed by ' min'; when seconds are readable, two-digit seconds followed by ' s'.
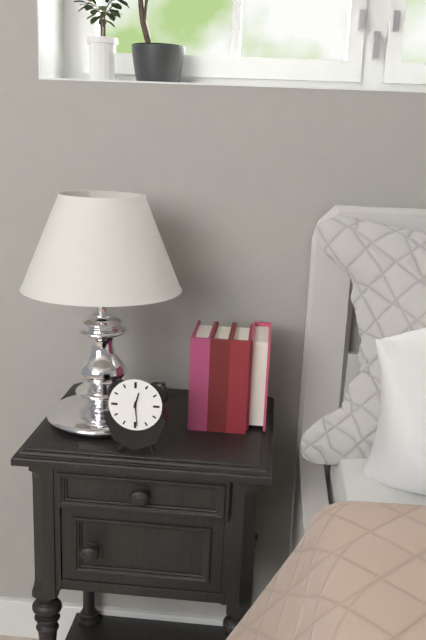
12 h 29 min
